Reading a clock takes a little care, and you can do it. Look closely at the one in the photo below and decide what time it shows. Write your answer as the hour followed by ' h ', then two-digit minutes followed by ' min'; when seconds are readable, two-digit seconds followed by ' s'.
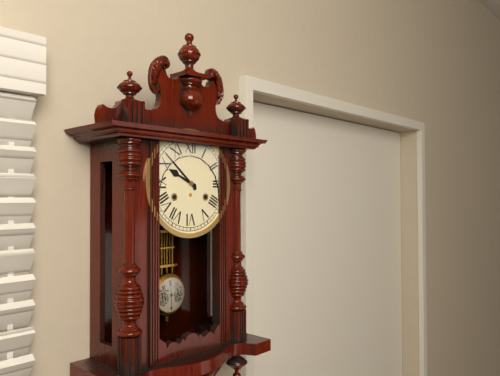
9 h 52 min
